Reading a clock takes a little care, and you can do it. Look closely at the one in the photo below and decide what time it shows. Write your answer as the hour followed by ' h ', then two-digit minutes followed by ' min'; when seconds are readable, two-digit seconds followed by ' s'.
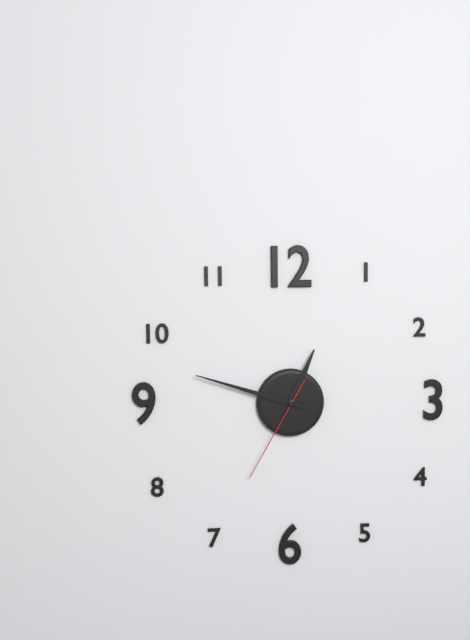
12 h 48 min 35 s
